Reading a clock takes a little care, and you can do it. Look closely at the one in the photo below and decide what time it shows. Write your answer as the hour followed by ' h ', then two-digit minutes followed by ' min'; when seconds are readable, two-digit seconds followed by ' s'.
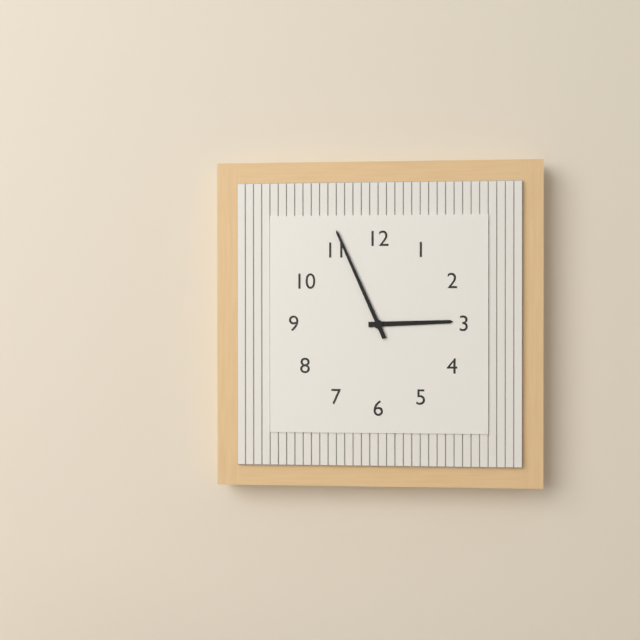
2 h 56 min
